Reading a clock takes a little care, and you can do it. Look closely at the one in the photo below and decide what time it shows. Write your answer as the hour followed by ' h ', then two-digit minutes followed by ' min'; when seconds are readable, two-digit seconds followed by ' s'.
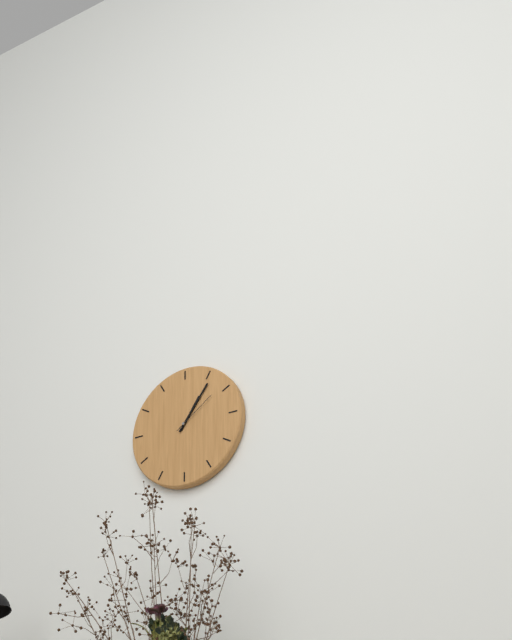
1 h 06 min
